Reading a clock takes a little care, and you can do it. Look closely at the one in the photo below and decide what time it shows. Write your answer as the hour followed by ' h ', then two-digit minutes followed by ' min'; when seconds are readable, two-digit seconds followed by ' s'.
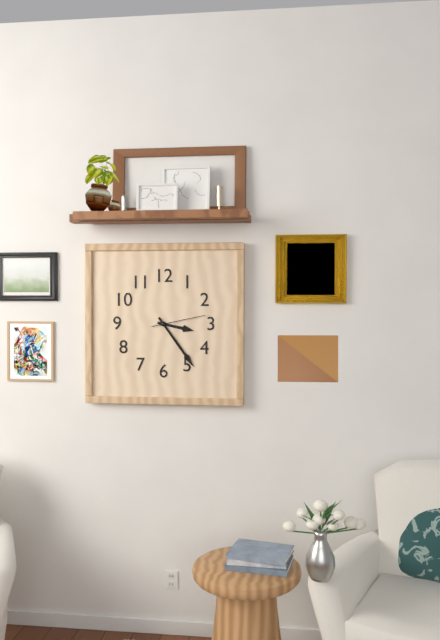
3 h 24 min 13 s
